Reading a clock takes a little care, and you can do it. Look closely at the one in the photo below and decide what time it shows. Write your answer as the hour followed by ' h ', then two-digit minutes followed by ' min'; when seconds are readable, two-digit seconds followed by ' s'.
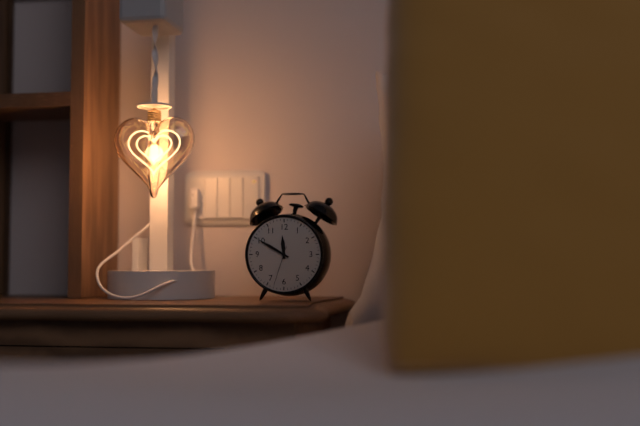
11 h 50 min
